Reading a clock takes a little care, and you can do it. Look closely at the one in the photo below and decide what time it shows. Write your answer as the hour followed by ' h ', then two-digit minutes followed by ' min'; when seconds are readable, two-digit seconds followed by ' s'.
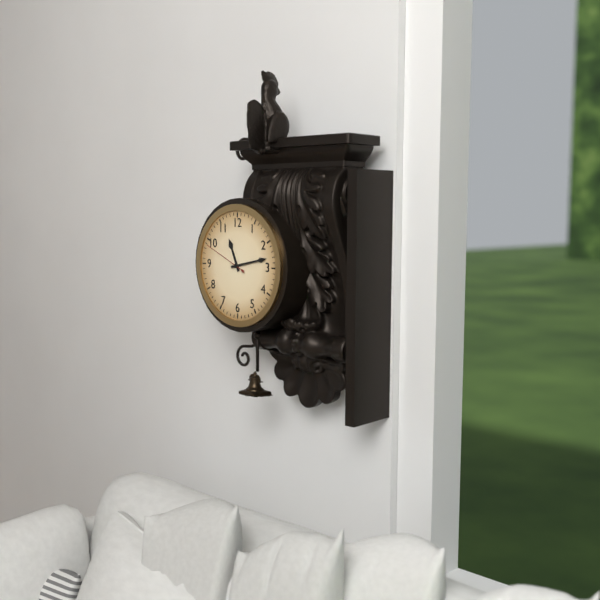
11 h 13 min
